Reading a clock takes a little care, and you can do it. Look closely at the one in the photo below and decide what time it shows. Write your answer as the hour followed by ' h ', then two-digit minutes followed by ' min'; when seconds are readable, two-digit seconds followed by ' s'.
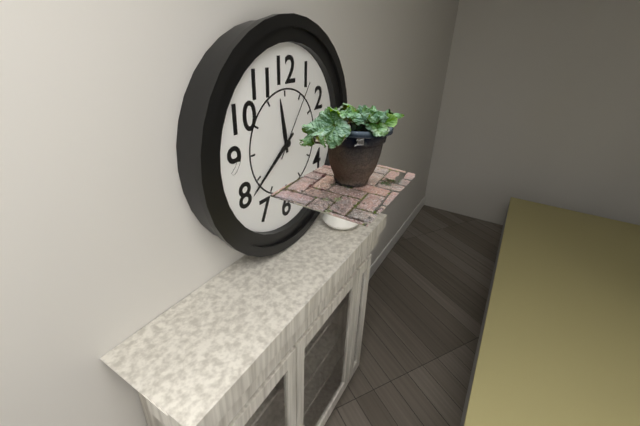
11 h 39 min 06 s
